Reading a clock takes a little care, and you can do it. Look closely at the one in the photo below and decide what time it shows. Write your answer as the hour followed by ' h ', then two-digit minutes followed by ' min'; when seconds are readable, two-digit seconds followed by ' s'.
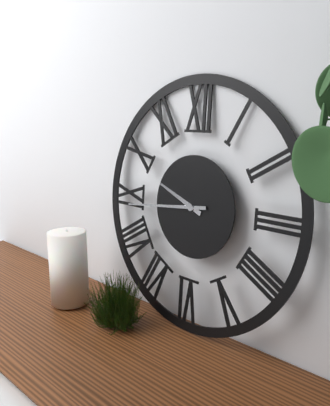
9 h 44 min
